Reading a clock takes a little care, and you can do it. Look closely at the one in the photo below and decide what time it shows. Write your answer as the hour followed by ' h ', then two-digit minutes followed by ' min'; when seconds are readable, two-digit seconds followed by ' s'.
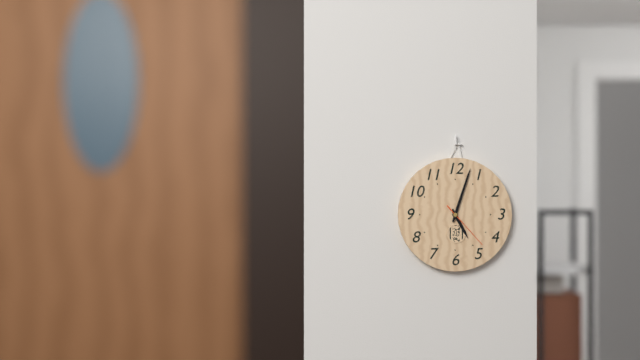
5 h 03 min 23 s
